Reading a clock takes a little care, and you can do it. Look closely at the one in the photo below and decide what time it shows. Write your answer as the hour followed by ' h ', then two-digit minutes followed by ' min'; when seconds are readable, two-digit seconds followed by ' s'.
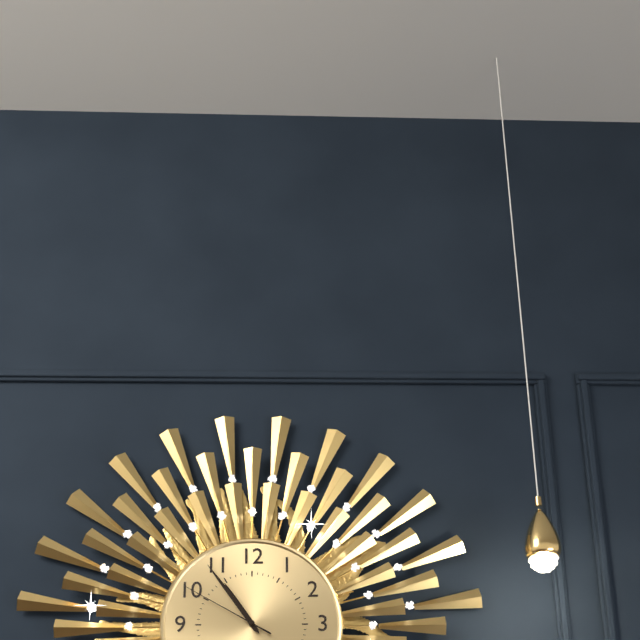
10 h 54 min 50 s
